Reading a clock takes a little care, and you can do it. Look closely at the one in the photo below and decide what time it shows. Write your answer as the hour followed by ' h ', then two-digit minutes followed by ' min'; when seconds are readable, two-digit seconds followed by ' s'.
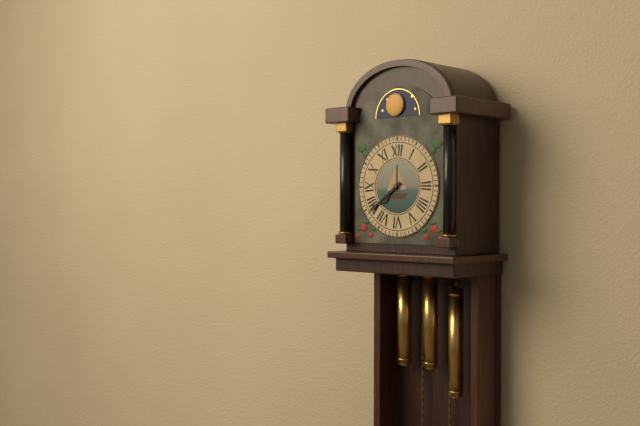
7 h 39 min
